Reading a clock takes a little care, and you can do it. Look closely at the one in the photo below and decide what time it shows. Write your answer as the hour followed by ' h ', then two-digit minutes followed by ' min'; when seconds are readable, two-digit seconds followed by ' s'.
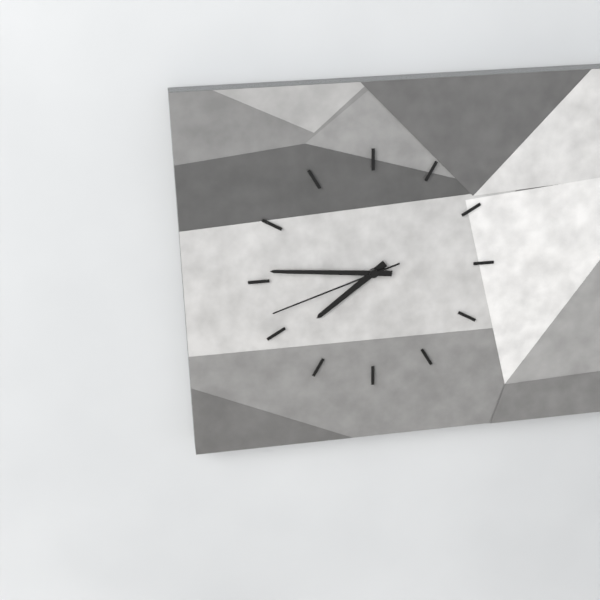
7 h 46 min 42 s
